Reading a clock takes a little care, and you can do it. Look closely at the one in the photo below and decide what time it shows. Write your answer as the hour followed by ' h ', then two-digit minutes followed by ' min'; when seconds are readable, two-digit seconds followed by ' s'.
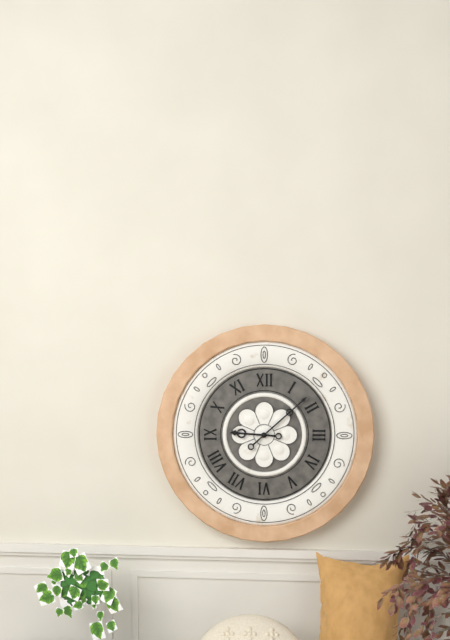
9 h 08 min
